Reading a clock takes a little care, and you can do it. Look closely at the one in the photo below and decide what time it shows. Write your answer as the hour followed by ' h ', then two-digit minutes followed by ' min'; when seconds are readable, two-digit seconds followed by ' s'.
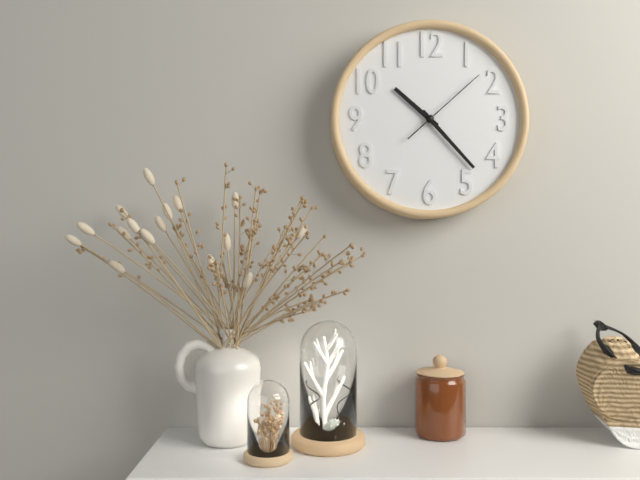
10 h 23 min 08 s
